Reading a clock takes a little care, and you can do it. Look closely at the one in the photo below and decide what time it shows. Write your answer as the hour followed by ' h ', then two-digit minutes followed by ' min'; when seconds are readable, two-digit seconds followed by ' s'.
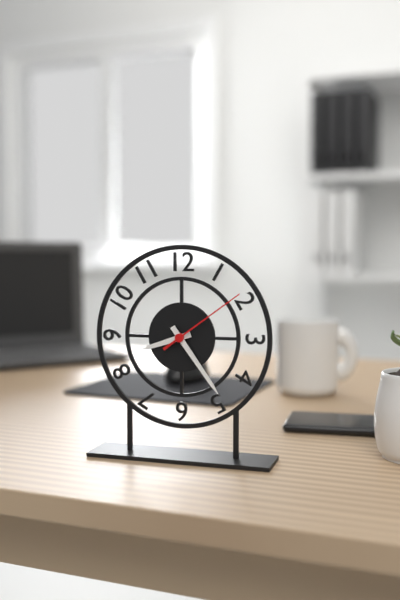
8 h 24 min 09 s
